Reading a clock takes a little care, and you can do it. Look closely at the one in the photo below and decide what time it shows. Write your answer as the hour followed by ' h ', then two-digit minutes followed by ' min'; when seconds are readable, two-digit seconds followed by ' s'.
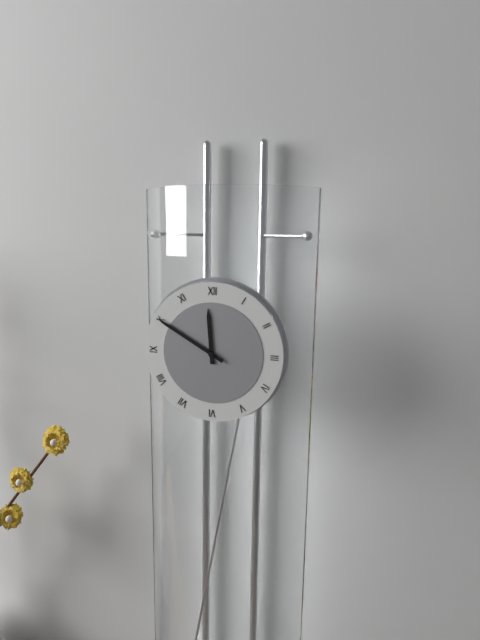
11 h 50 min
